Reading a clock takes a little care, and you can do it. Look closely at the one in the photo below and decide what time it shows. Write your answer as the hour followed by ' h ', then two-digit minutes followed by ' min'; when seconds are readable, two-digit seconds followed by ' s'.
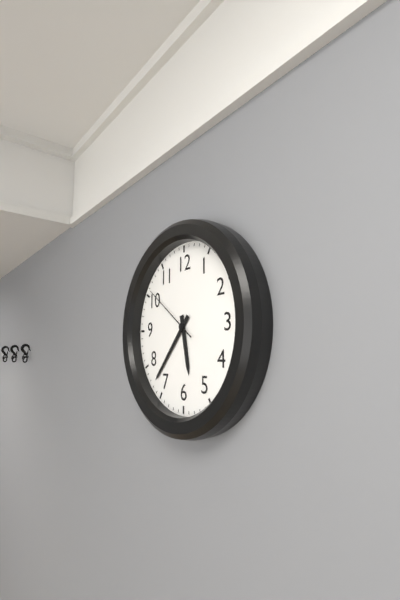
5 h 37 min 51 s
